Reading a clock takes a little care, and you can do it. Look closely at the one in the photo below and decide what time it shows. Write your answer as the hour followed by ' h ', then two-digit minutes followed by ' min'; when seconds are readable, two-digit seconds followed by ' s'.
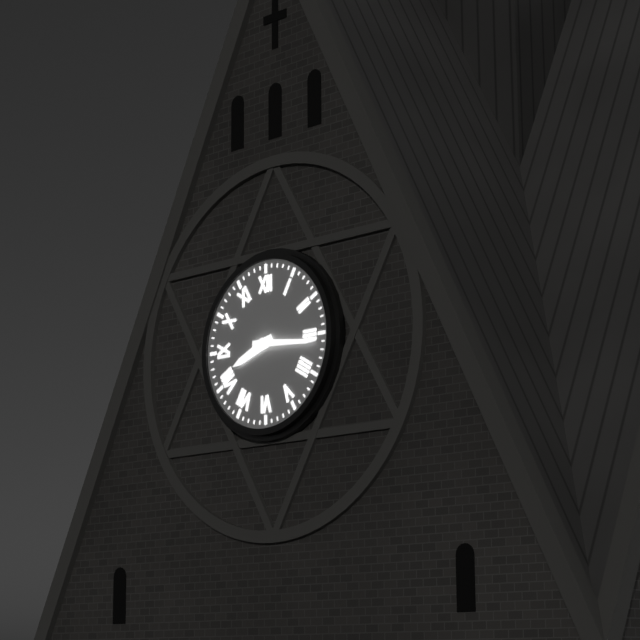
8 h 16 min
